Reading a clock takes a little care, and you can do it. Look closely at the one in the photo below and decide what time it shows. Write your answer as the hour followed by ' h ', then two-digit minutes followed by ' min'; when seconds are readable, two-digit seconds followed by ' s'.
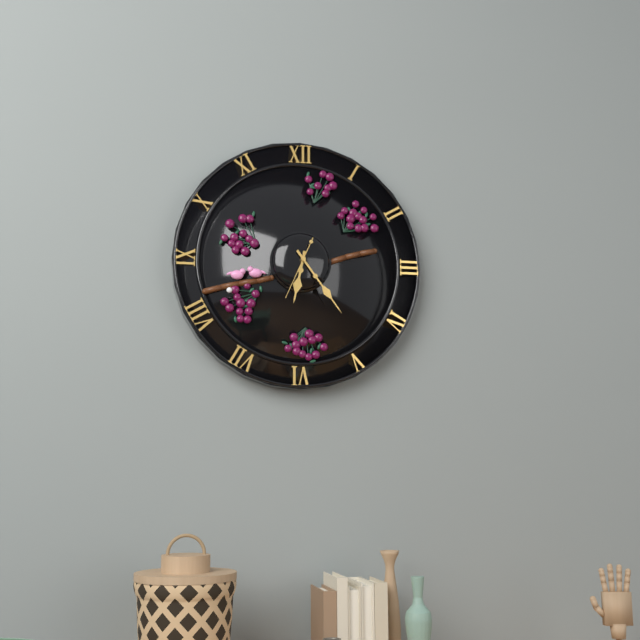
6 h 24 min
